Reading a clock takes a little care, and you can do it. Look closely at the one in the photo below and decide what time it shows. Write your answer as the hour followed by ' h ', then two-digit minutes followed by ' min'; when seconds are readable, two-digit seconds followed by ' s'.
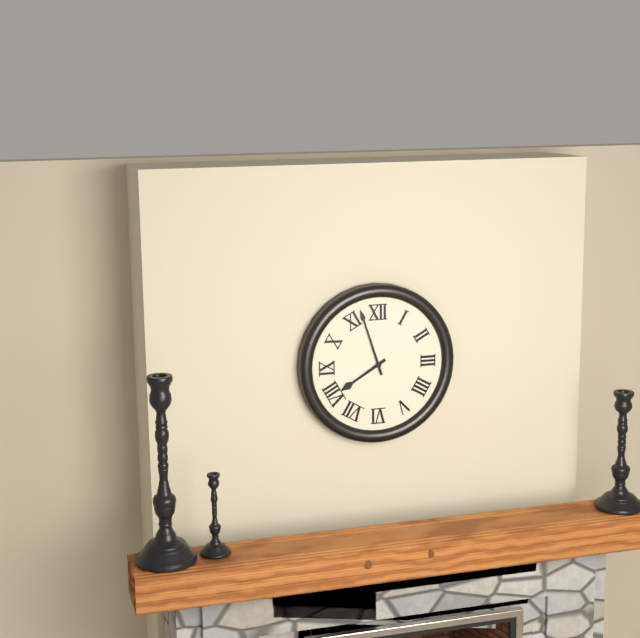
7 h 57 min
